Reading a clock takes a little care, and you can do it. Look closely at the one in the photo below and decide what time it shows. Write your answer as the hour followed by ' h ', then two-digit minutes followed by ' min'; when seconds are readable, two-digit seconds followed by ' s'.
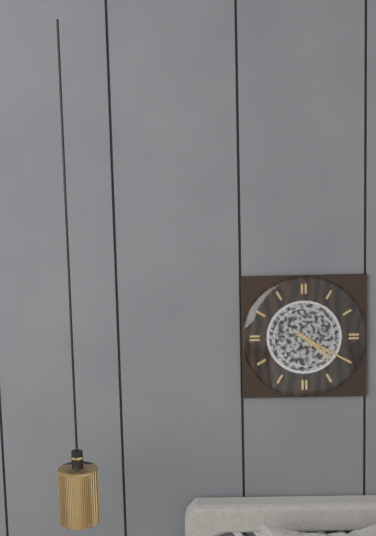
4 h 20 min
